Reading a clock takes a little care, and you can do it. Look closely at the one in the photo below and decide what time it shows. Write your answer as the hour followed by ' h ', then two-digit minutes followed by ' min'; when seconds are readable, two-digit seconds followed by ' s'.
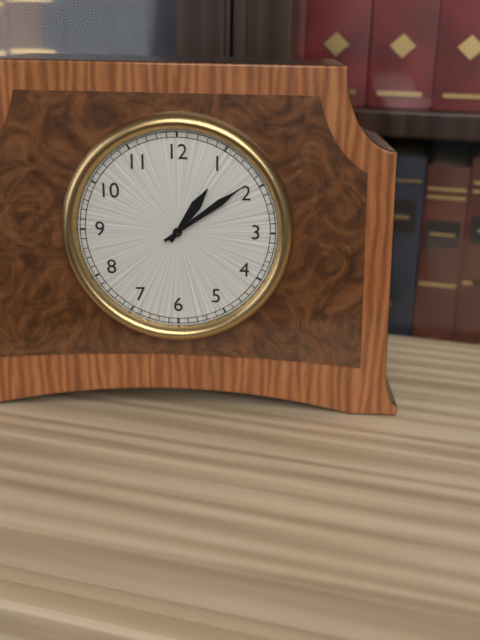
1 h 09 min
